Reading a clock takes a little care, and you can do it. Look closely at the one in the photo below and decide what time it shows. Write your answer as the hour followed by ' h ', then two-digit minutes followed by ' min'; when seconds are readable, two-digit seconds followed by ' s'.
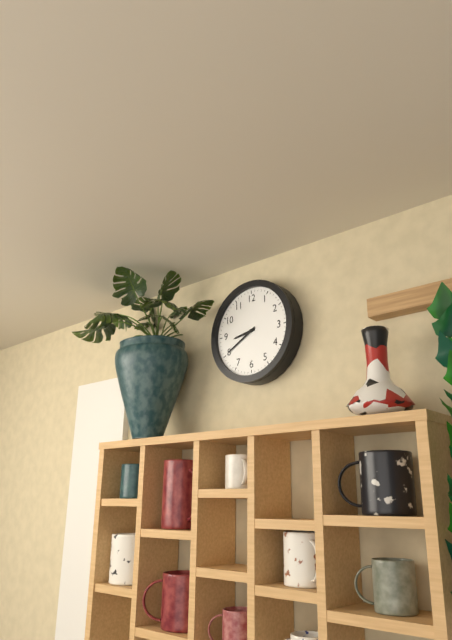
8 h 40 min
